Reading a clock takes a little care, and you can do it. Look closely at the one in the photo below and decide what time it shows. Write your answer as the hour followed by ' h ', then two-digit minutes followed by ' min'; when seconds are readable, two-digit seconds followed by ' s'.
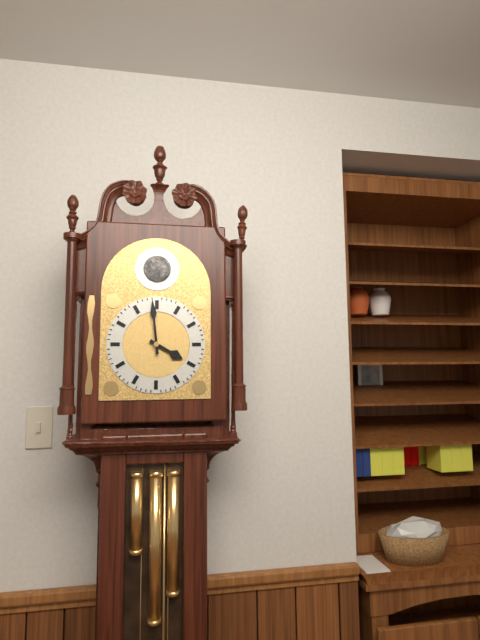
3 h 59 min
